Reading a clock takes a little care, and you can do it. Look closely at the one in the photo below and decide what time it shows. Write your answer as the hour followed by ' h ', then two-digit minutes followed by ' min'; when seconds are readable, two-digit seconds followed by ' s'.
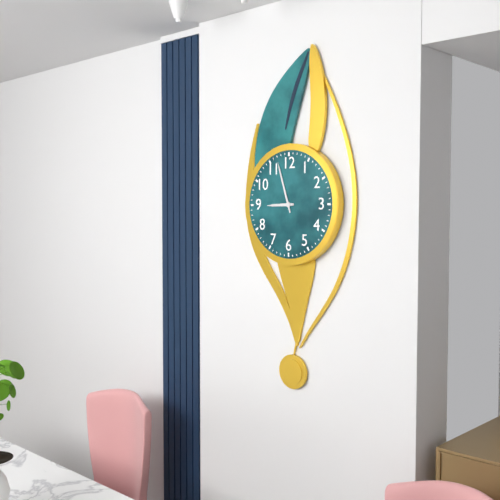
8 h 57 min
